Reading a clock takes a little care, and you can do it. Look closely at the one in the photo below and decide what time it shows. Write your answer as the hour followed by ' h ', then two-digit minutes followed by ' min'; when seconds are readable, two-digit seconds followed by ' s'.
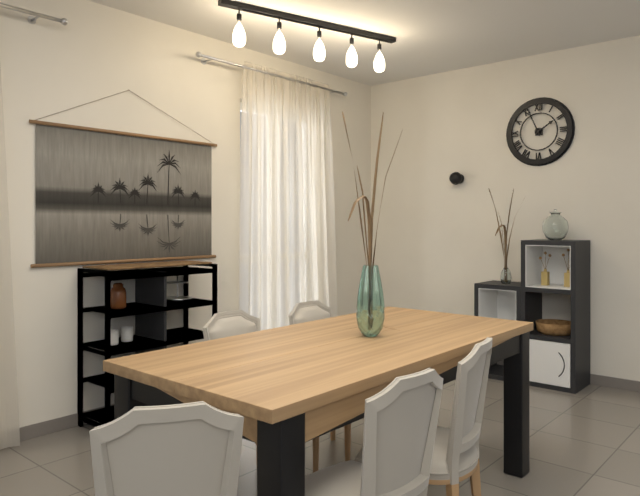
1 h 56 min
